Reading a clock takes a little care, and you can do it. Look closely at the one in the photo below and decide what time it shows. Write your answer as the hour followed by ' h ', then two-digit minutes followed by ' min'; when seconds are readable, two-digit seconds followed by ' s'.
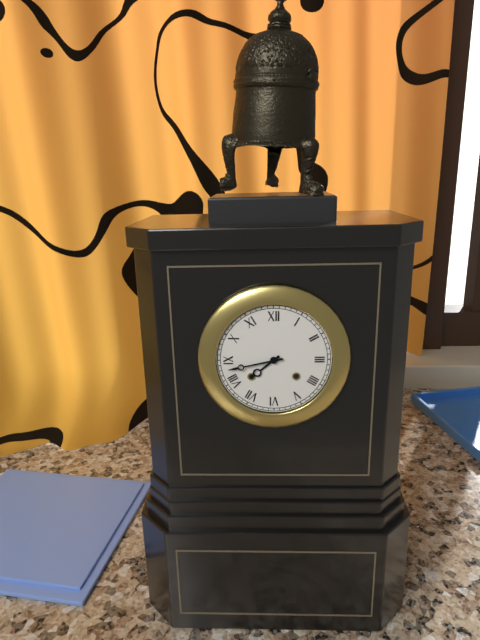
7 h 43 min
